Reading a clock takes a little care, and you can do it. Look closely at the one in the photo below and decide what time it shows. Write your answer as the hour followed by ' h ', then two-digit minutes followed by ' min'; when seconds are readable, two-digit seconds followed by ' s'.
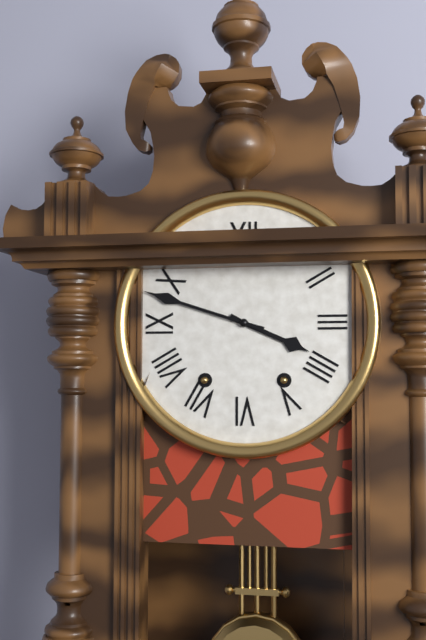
3 h 48 min
